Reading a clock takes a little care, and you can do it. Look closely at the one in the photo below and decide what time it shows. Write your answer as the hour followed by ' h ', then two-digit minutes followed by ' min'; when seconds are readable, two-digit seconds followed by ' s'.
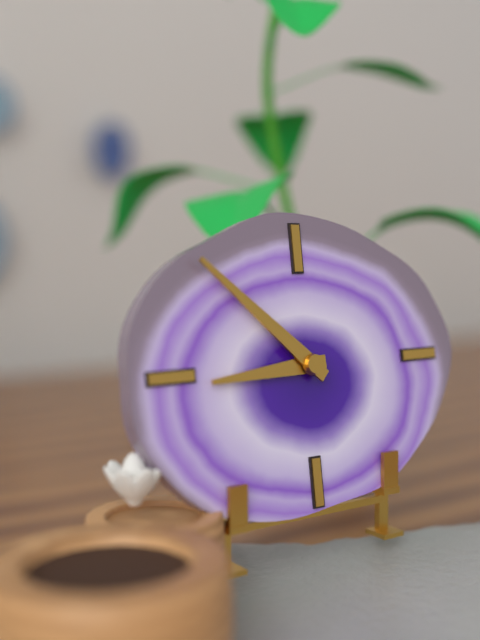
8 h 52 min
